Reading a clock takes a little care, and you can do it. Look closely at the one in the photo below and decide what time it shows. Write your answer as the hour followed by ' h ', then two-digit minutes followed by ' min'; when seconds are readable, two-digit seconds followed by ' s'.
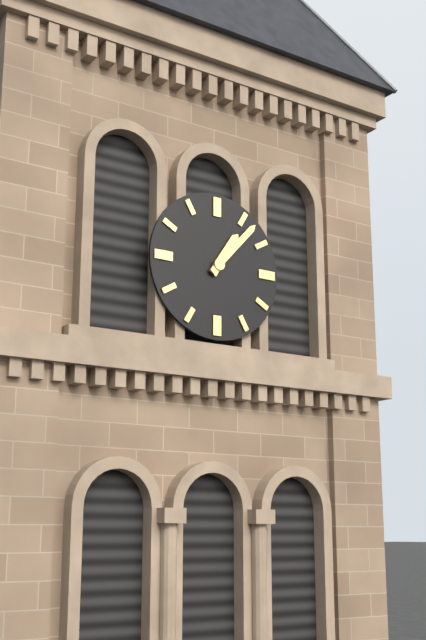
1 h 07 min
